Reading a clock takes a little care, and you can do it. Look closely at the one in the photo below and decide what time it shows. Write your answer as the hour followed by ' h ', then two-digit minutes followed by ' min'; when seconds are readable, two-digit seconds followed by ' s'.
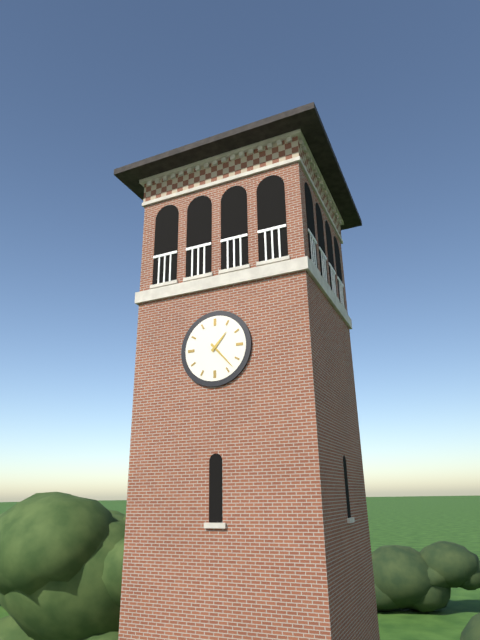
1 h 23 min
